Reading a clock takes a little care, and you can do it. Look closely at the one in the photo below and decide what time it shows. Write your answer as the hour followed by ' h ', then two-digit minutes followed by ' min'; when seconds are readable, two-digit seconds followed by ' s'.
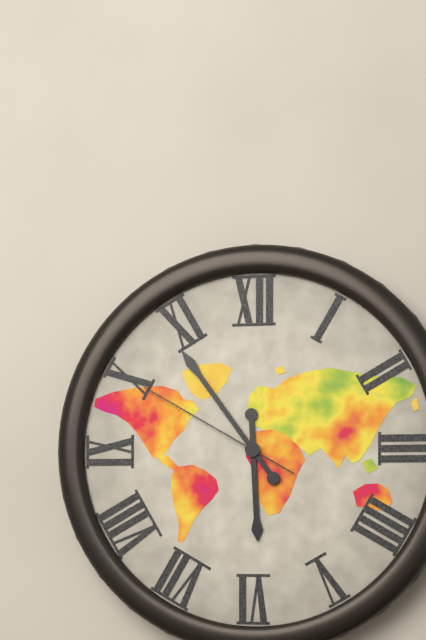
5 h 54 min 50 s
